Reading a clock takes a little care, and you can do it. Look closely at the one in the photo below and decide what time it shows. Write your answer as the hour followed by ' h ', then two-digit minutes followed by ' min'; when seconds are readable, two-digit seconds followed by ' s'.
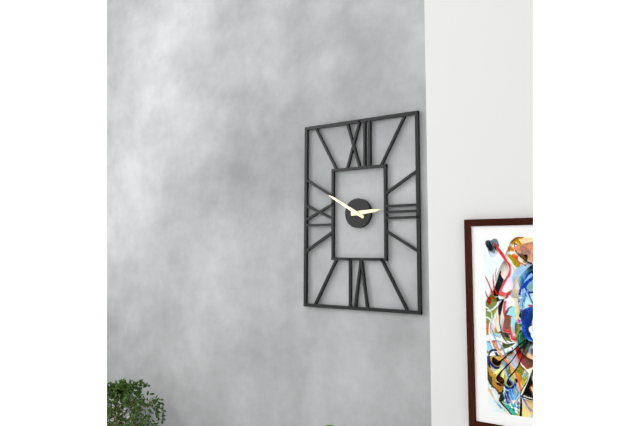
2 h 50 min
